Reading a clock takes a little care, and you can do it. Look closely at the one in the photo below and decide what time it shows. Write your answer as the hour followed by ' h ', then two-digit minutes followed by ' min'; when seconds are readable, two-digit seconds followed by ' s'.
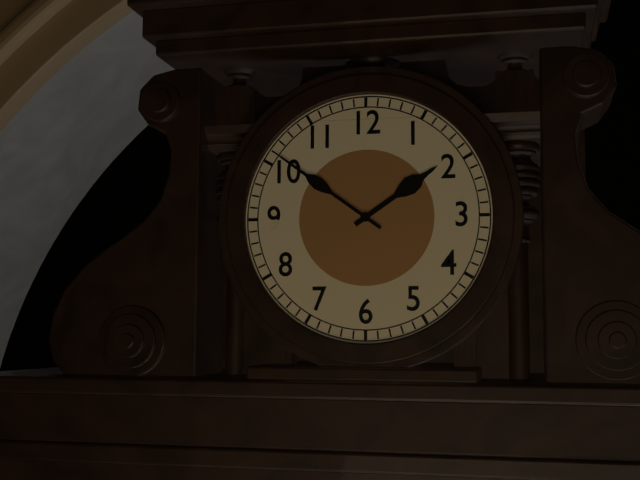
1 h 51 min
